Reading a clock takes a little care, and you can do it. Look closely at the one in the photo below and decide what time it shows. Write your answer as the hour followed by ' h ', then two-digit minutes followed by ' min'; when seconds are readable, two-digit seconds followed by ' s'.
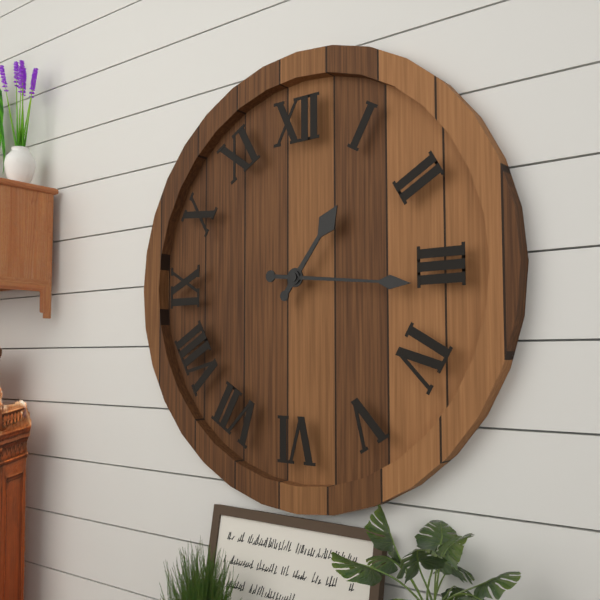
1 h 16 min
